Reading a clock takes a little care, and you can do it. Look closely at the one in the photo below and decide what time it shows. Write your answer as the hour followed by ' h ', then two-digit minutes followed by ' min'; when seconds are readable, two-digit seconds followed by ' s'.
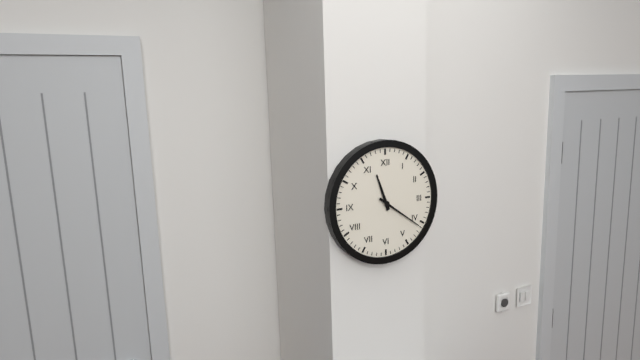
11 h 21 min
